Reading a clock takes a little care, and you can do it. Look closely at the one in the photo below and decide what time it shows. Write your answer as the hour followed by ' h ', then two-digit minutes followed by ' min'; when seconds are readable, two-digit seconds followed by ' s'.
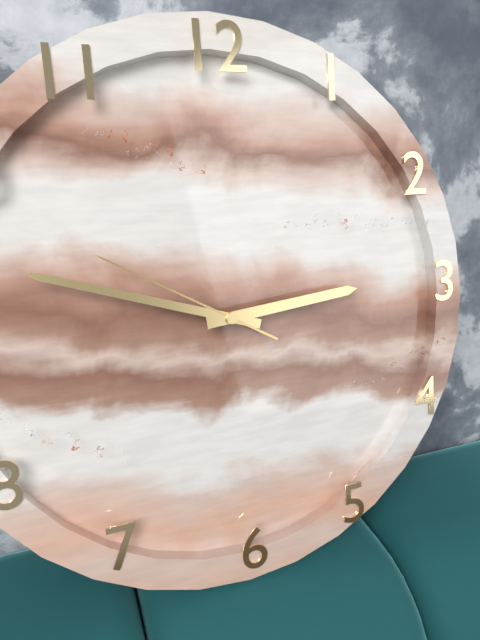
2 h 48 min 50 s
